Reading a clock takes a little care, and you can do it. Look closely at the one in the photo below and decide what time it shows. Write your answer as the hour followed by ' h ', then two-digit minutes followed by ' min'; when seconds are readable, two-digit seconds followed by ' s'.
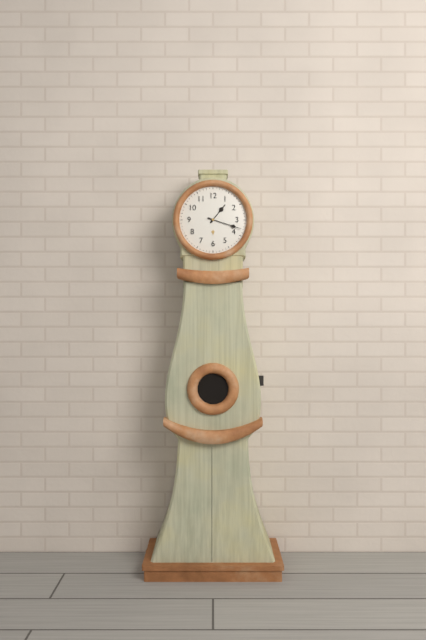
1 h 18 min
